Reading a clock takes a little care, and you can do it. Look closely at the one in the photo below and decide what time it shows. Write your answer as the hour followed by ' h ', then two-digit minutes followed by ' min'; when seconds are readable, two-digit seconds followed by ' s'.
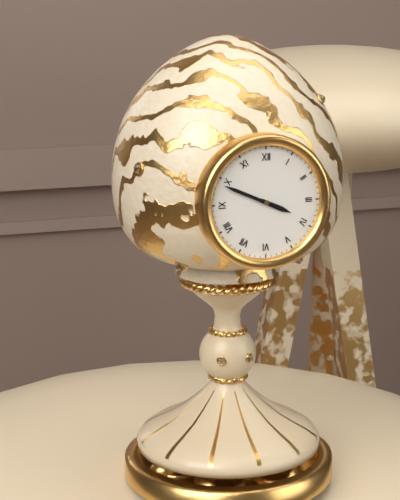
3 h 49 min
